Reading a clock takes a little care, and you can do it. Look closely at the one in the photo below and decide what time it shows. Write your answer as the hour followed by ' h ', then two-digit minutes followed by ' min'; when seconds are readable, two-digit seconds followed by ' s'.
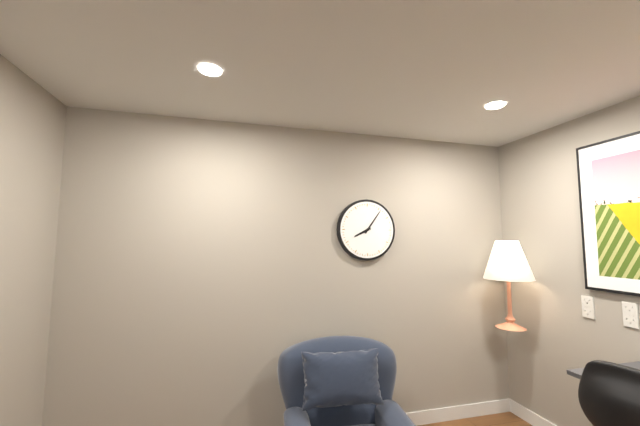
8 h 06 min
